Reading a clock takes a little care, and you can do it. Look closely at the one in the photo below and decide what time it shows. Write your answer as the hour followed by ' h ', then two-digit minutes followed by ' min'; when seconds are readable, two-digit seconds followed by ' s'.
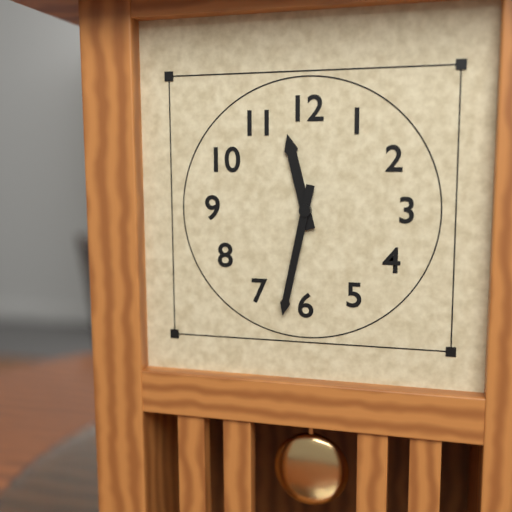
11 h 32 min
